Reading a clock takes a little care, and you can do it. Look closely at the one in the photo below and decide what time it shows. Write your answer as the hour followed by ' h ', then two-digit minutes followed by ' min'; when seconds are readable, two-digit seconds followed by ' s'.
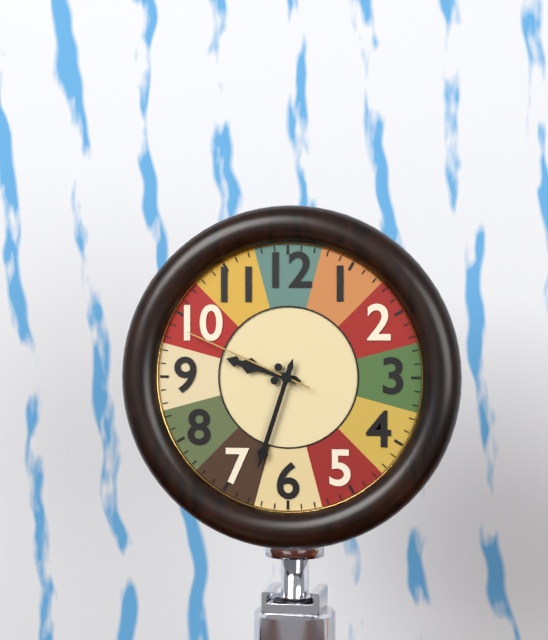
9 h 33 min 49 s
